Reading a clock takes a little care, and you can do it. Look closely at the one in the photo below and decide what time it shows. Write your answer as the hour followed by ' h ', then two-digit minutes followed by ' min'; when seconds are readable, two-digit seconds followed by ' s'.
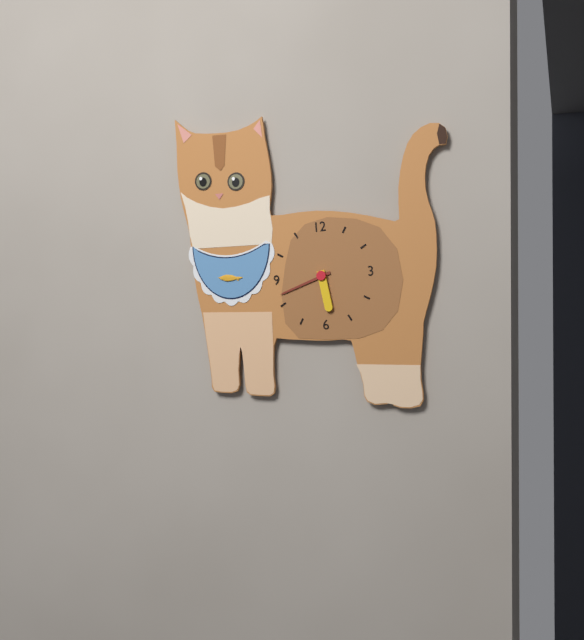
5 h 42 min
